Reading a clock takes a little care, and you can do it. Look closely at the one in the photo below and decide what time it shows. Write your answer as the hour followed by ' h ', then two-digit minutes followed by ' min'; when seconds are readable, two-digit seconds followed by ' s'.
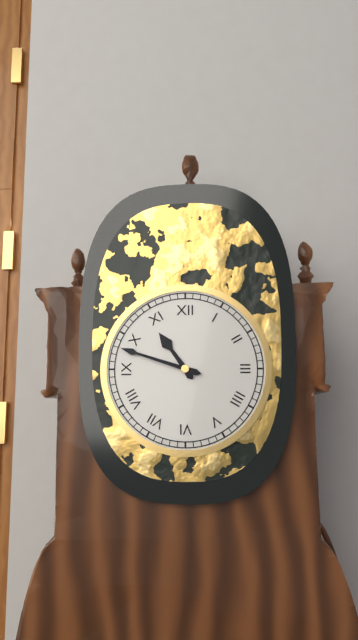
10 h 48 min
